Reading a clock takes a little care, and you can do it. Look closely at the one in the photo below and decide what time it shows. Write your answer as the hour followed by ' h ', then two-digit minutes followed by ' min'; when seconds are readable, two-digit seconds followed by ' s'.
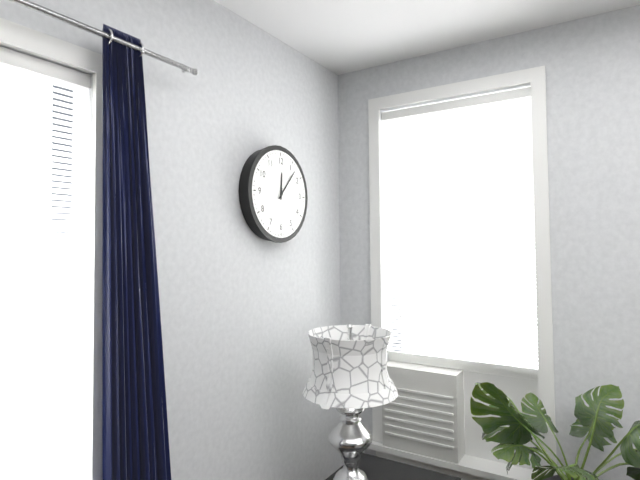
12 h 07 min
